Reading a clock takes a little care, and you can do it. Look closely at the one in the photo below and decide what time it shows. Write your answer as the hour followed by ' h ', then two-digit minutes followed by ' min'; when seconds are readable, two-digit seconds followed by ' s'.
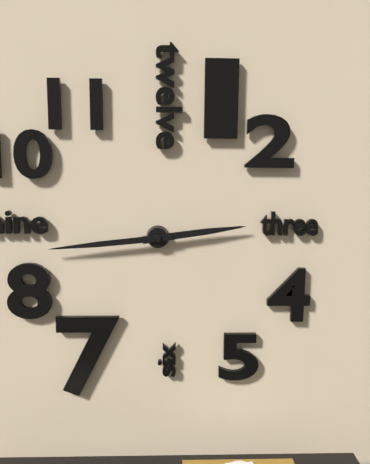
2 h 44 min
